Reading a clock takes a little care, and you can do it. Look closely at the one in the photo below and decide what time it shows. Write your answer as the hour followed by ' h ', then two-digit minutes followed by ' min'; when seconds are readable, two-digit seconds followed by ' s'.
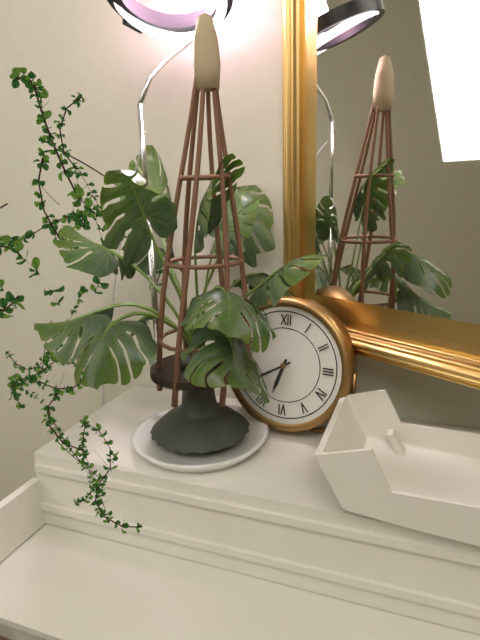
6 h 40 min
